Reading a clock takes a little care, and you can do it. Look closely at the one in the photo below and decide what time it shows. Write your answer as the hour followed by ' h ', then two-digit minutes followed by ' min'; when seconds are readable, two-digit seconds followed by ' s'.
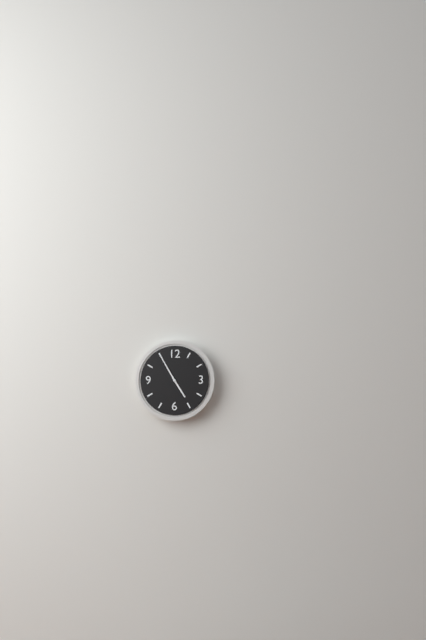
4 h 55 min
